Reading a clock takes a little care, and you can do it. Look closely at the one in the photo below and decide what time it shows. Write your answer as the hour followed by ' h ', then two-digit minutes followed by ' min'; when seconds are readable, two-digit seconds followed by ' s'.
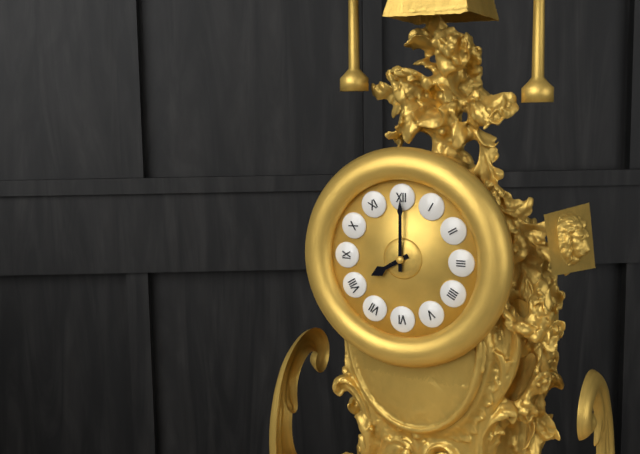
8 h 00 min
